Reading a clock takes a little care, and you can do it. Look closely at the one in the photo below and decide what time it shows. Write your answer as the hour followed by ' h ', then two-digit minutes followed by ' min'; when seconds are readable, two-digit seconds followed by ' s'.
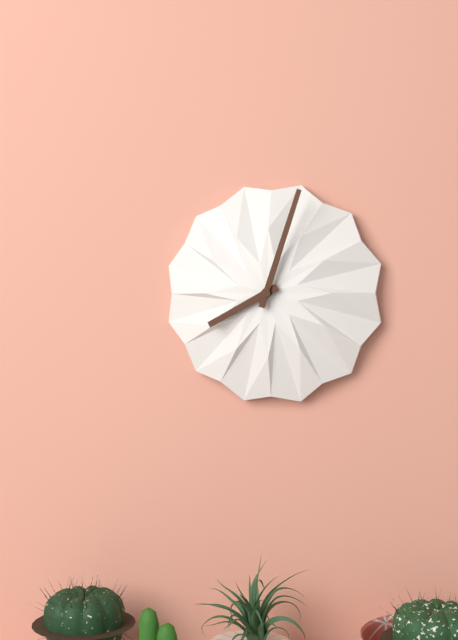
8 h 03 min
